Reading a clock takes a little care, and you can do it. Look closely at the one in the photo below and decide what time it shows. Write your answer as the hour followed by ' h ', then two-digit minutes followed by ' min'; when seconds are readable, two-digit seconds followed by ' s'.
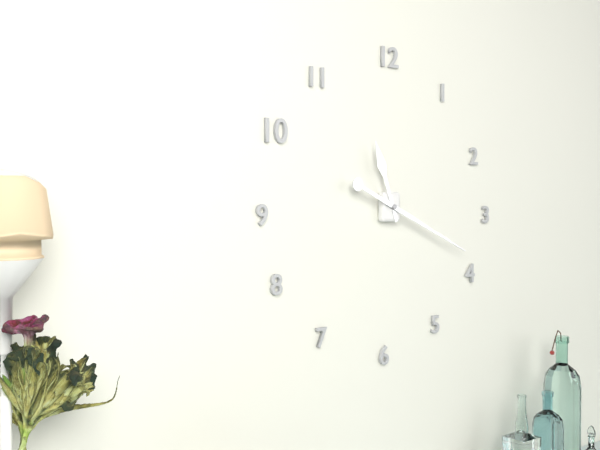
11 h 19 min
